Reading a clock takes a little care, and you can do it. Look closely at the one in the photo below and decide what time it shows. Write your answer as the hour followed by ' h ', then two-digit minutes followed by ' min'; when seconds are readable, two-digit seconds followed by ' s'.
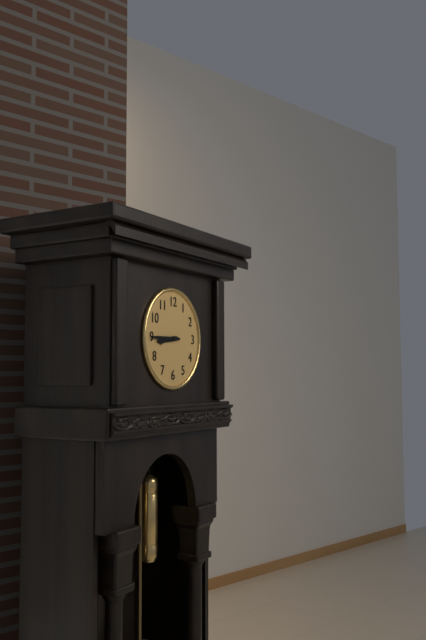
8 h 45 min
